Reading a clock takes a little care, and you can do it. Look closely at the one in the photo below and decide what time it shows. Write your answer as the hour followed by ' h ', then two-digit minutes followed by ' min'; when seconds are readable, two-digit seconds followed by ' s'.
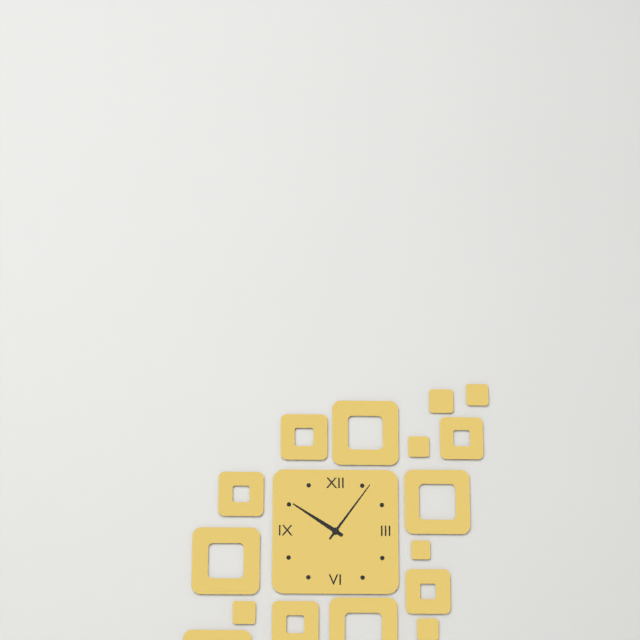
10 h 06 min
